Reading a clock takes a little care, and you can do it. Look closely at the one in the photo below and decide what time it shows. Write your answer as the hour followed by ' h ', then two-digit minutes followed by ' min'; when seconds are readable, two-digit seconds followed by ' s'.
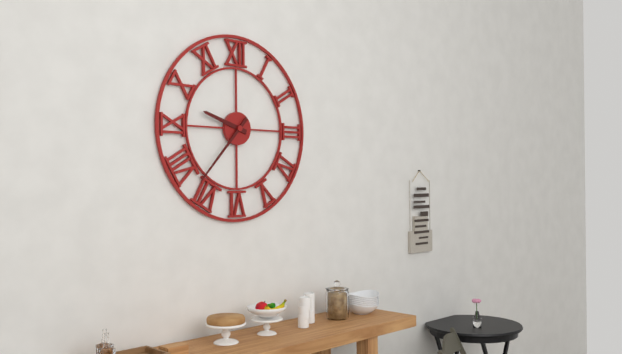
9 h 37 min
